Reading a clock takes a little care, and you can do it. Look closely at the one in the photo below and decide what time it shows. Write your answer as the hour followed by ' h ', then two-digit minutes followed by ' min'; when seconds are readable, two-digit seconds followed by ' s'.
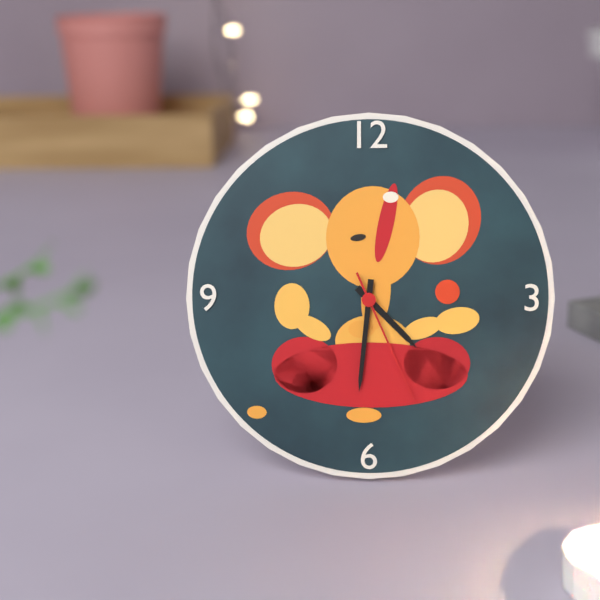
4 h 31 min 26 s
